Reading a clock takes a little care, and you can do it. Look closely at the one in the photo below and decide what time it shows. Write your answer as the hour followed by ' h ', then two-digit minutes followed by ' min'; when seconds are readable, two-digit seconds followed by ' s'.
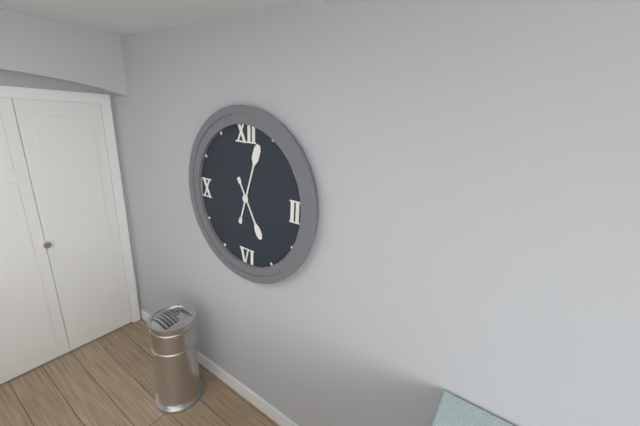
5 h 03 min
